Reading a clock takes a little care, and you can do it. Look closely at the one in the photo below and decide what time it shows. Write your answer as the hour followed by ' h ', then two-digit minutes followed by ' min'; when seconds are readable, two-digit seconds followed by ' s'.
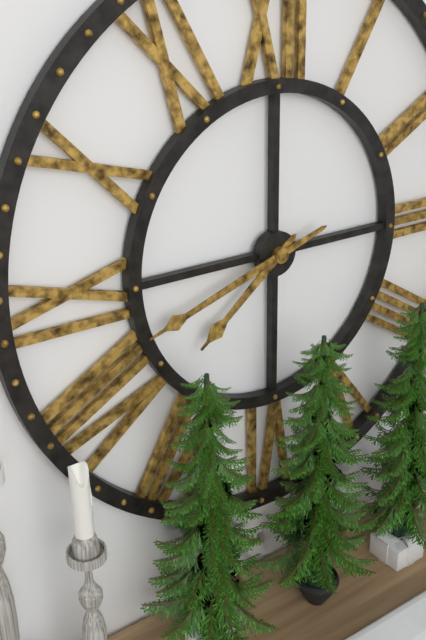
7 h 42 min
